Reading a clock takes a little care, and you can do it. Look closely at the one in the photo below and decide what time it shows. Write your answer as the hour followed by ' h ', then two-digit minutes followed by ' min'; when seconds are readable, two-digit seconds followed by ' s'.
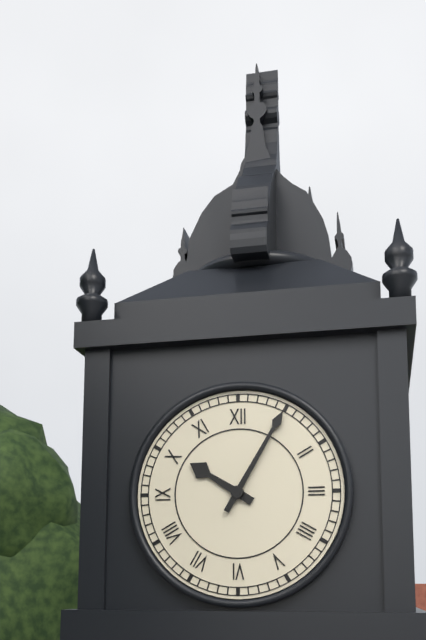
10 h 05 min
